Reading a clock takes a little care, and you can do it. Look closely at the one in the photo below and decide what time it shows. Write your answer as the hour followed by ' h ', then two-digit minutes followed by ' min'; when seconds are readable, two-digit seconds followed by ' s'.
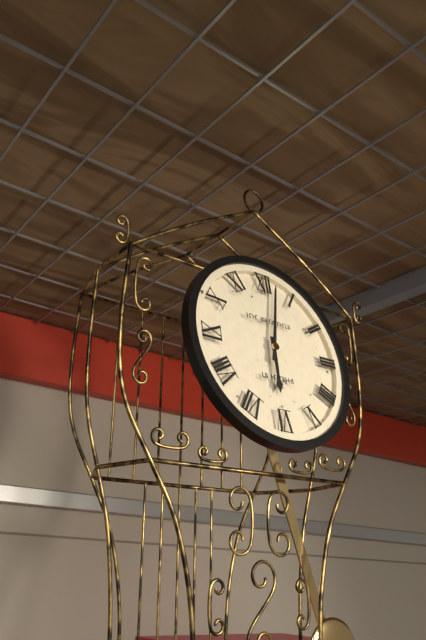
6 h 02 min
